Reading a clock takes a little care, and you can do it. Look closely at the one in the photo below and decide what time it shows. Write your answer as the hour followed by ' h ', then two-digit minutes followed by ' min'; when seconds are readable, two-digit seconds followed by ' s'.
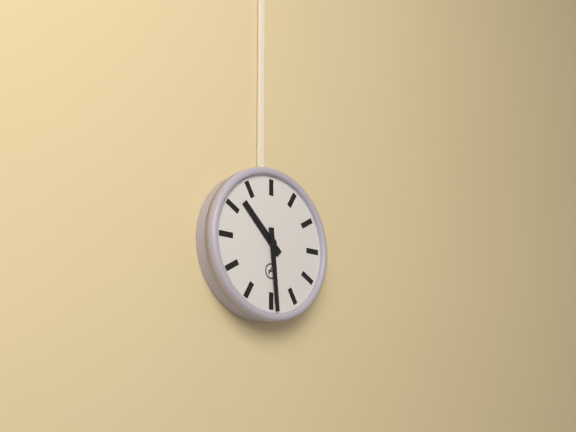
10 h 29 min
